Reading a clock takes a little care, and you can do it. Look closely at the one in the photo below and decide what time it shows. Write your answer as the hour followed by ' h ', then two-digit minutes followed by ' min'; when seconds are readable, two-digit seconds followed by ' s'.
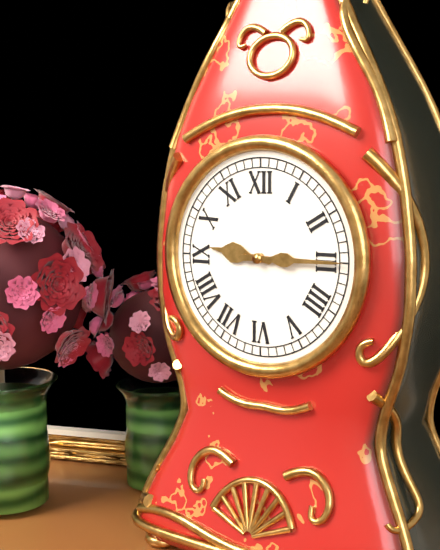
9 h 15 min
